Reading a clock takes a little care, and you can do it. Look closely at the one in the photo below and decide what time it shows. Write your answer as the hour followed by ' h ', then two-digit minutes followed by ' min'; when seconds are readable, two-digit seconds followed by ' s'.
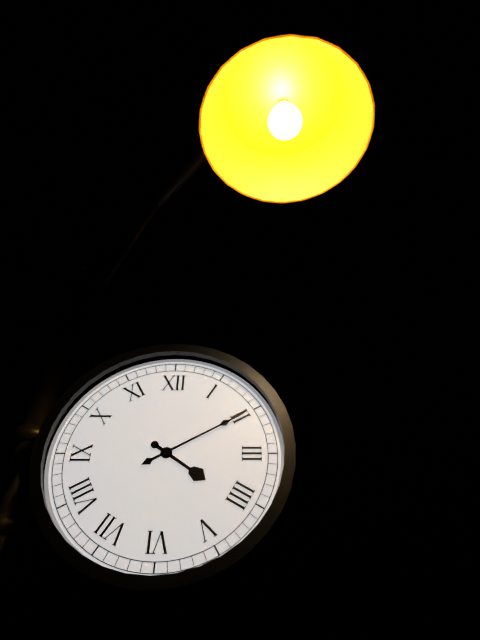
4 h 10 min
